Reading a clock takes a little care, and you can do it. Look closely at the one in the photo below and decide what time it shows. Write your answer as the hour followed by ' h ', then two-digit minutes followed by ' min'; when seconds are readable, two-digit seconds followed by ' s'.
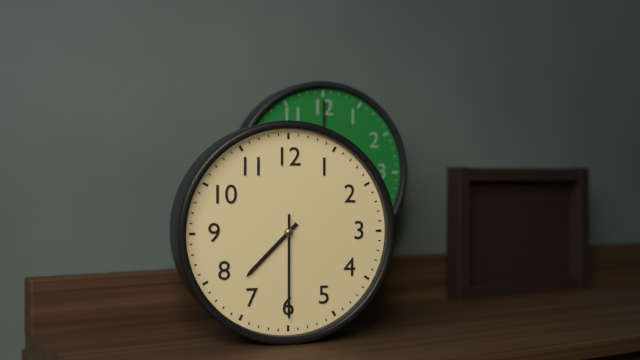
7 h 30 min
